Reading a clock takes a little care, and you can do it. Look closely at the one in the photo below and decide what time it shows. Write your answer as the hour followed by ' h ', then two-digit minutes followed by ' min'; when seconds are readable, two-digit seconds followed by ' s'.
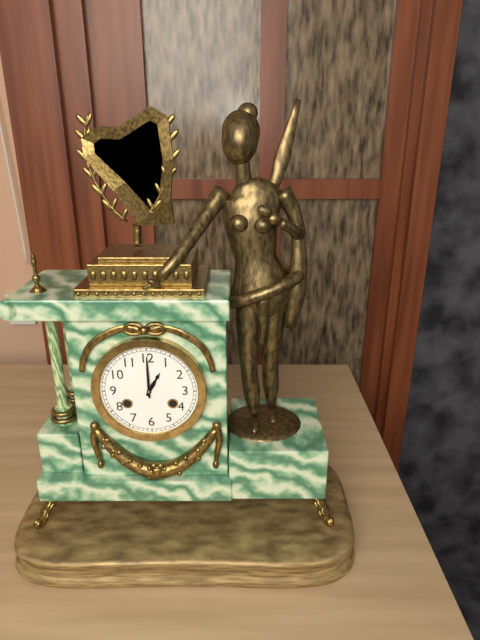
1 h 00 min
